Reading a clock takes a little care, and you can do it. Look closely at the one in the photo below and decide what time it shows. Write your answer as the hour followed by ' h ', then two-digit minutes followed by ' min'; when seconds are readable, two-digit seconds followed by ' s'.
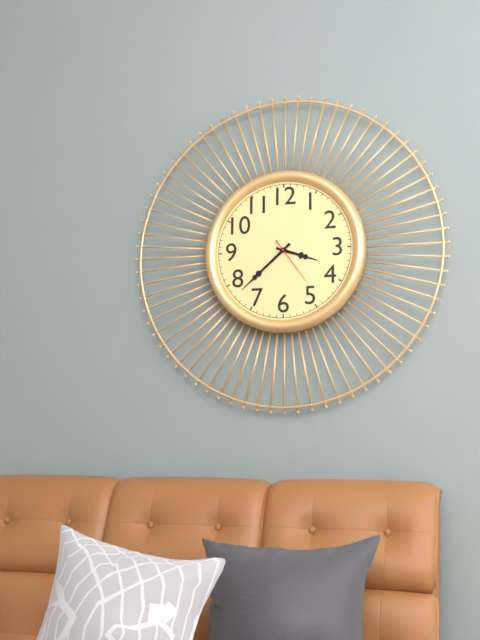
3 h 38 min
